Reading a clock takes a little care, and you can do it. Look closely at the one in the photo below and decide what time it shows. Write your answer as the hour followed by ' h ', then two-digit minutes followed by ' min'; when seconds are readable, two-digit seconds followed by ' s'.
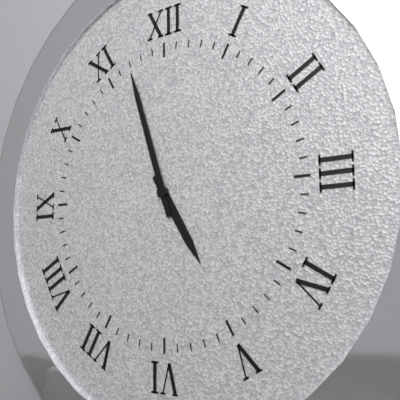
4 h 57 min
